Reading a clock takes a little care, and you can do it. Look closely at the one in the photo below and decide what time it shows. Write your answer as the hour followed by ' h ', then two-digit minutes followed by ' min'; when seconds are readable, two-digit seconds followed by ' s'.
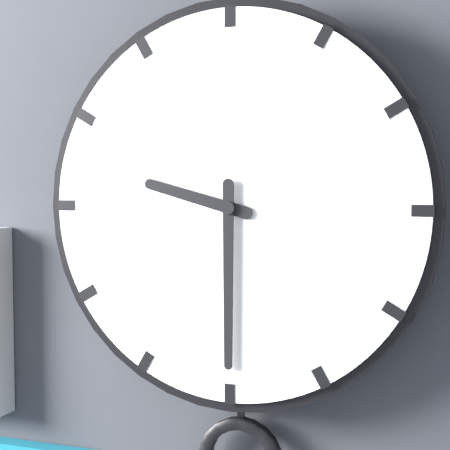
9 h 30 min
